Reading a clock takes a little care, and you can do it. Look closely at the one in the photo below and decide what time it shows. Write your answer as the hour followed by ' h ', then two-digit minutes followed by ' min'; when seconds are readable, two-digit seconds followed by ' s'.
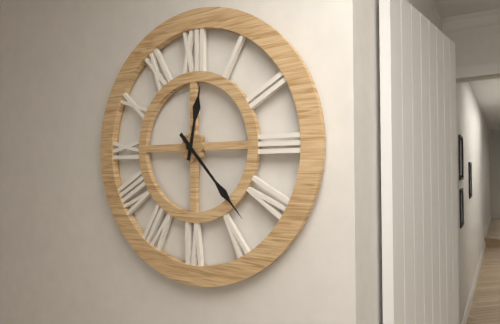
12 h 23 min
